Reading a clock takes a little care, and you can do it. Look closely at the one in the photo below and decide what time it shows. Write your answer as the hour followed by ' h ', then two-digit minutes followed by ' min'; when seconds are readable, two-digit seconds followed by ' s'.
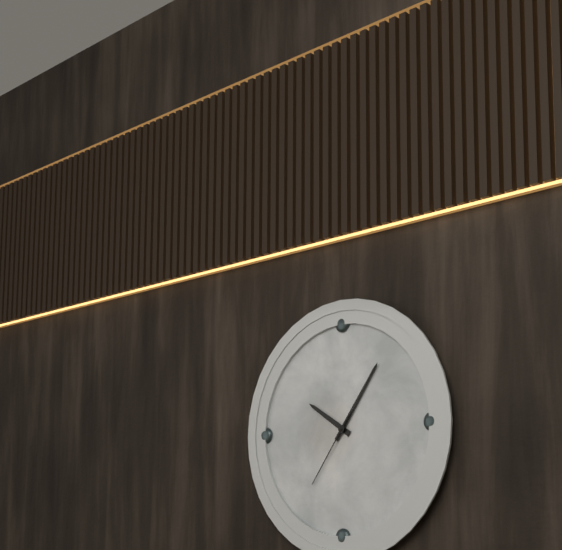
10 h 06 min 36 s
